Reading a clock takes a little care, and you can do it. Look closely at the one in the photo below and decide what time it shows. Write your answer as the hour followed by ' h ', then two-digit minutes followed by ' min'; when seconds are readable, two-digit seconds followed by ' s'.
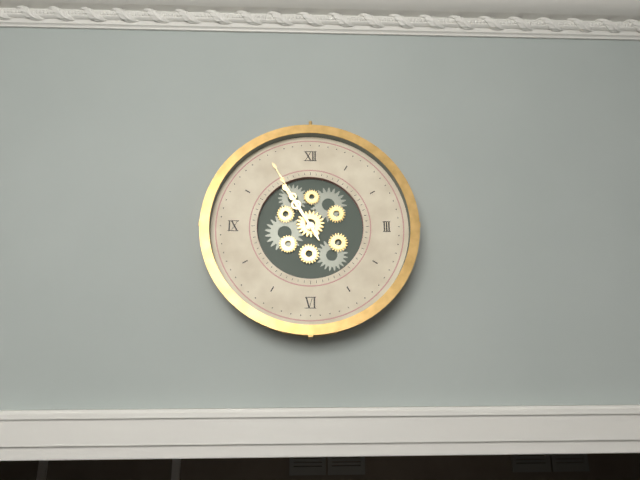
10 h 55 min
